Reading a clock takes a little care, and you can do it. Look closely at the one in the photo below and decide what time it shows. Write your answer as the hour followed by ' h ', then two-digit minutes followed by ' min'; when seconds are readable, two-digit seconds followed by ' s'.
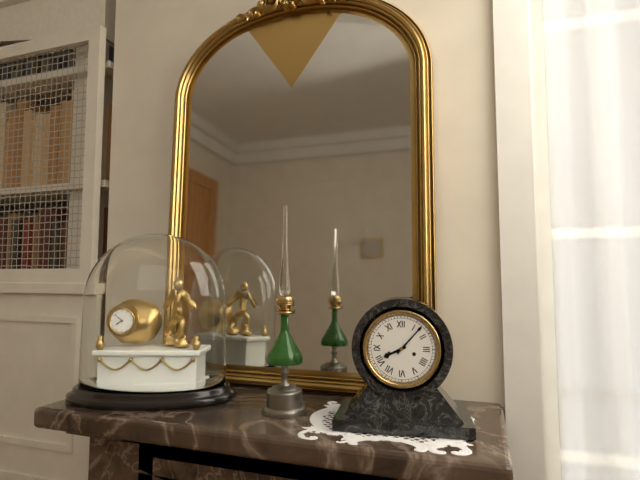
8 h 07 min
